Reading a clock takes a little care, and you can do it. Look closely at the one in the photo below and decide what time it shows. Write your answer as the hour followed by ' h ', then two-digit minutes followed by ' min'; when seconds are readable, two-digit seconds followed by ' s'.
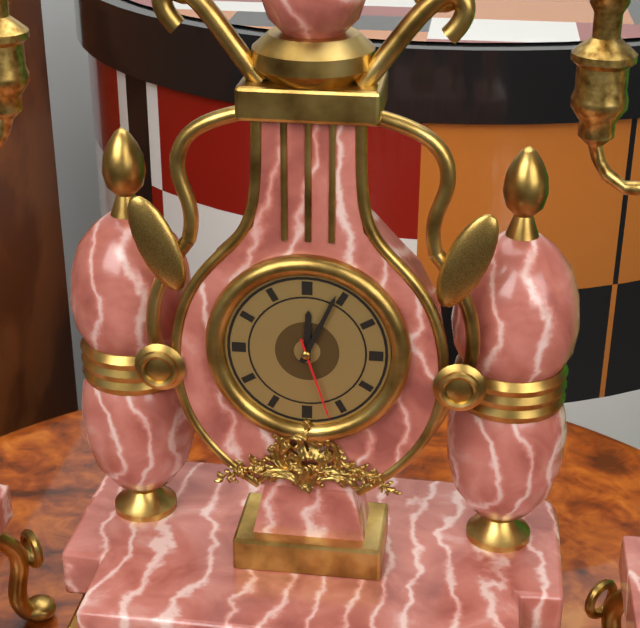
12 h 04 min 27 s
